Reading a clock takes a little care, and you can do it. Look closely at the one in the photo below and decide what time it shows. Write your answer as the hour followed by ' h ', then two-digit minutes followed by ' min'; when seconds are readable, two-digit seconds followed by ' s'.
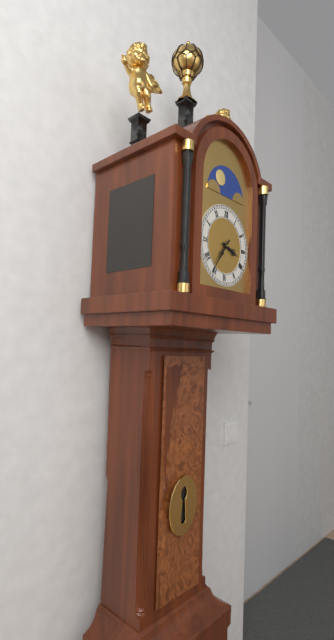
3 h 36 min
